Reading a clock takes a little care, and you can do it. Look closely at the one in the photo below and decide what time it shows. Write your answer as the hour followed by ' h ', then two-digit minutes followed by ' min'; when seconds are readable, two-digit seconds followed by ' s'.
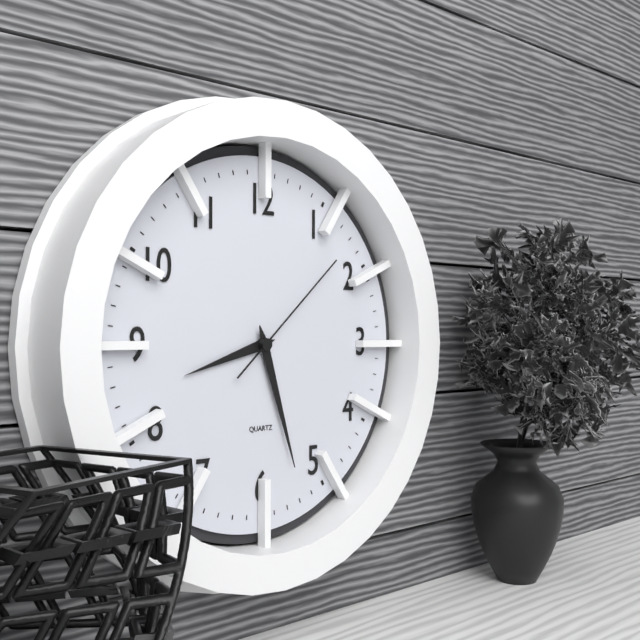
8 h 27 min 08 s
